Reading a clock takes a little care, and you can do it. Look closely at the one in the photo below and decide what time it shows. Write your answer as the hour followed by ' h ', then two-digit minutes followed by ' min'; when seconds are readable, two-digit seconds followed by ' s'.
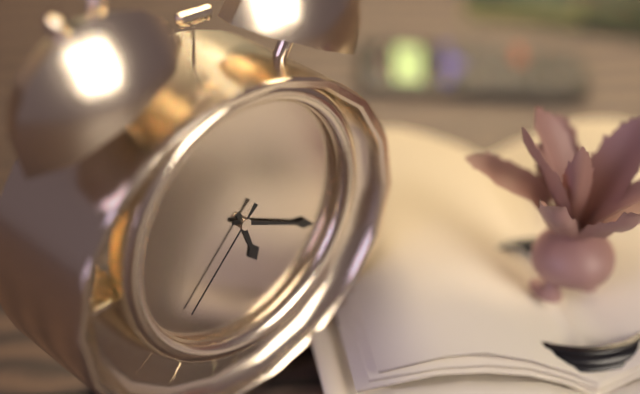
5 h 19 min 37 s
